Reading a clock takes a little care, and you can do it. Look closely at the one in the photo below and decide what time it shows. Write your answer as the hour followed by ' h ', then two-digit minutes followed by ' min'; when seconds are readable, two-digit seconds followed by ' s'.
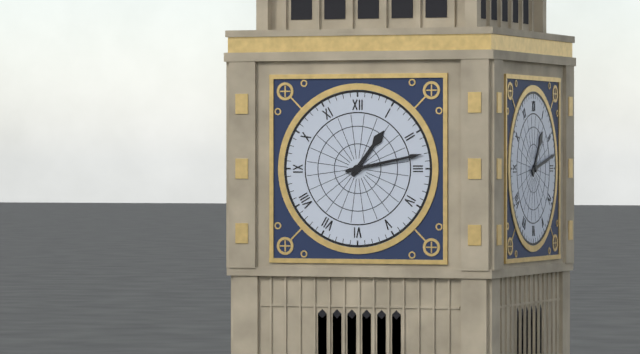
1 h 13 min
